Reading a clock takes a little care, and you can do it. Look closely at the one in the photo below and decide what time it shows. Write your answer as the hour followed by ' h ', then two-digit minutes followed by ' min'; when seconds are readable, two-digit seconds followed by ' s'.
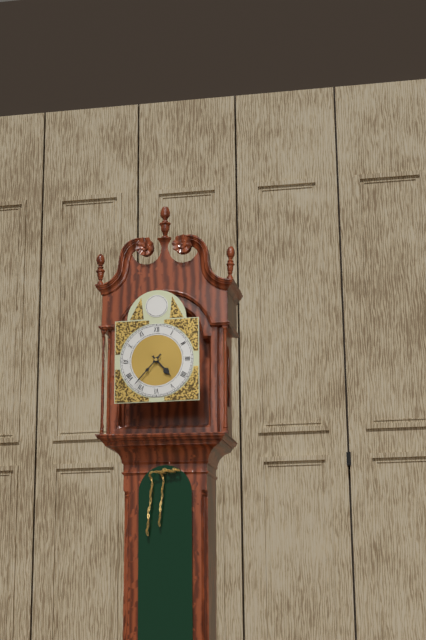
4 h 37 min
